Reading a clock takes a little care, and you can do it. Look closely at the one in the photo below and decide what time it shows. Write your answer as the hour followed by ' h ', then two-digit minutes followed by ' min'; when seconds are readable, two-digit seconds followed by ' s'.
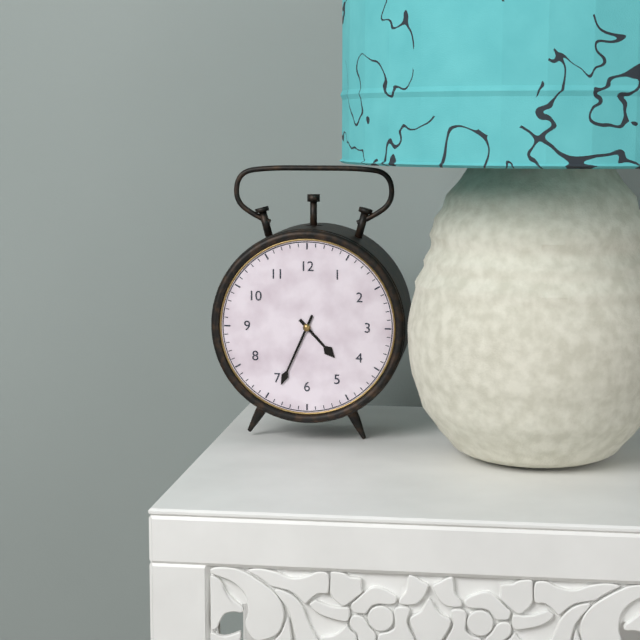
4 h 34 min
